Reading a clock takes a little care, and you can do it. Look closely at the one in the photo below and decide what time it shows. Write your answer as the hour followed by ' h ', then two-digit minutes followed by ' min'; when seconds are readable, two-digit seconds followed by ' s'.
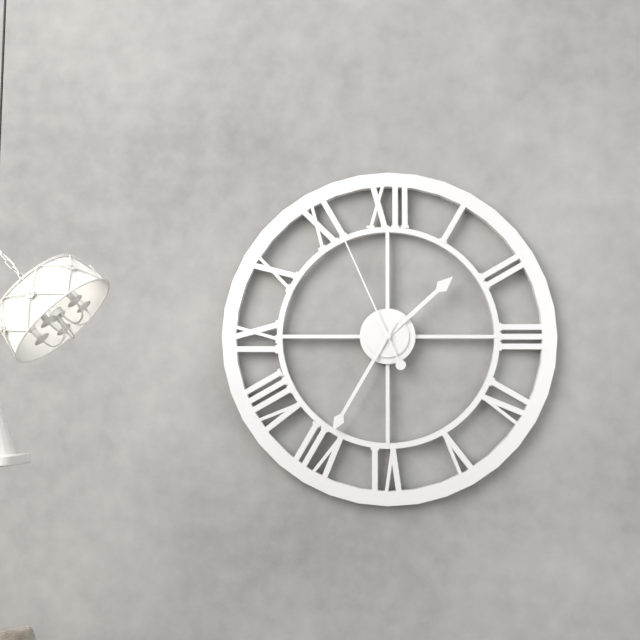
1 h 35 min 56 s
